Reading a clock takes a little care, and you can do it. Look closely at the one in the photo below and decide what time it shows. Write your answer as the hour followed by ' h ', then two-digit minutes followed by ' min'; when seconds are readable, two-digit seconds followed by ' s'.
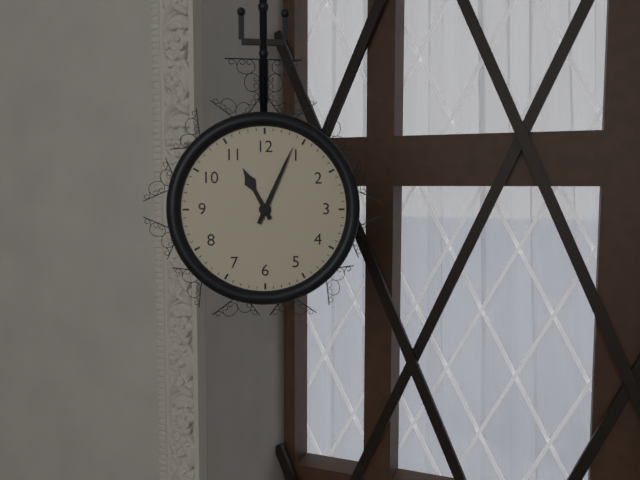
11 h 04 min
